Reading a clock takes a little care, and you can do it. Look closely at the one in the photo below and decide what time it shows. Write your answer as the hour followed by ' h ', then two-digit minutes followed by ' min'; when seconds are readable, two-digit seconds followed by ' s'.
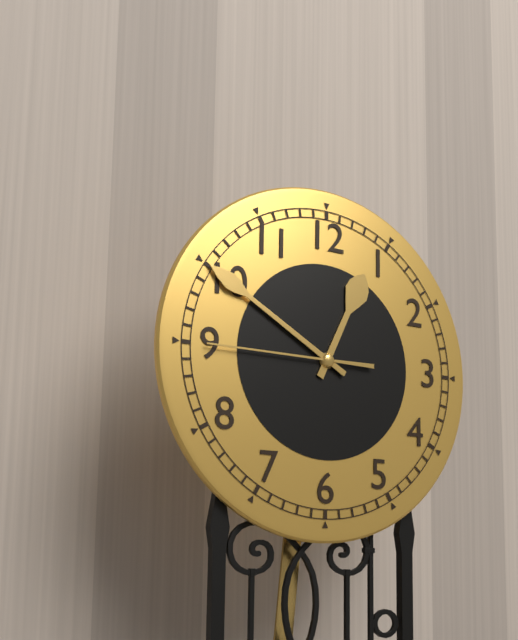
12 h 50 min 45 s
